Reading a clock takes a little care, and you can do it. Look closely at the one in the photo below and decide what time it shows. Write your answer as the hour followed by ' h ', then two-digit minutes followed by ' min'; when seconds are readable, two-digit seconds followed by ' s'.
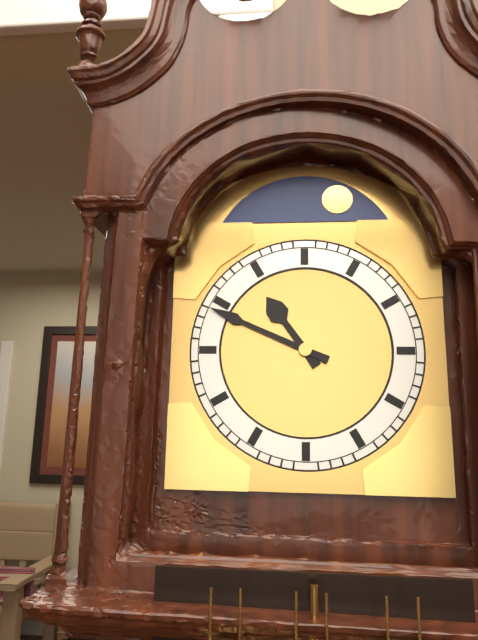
10 h 49 min
